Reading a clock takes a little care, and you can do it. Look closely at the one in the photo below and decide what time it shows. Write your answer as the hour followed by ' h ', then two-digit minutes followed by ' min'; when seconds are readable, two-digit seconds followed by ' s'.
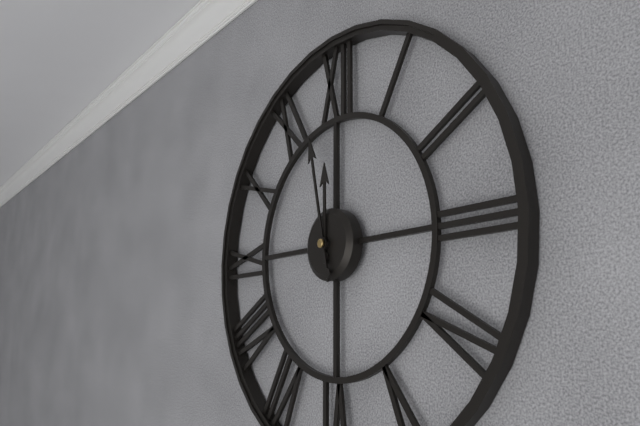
11 h 58 min
